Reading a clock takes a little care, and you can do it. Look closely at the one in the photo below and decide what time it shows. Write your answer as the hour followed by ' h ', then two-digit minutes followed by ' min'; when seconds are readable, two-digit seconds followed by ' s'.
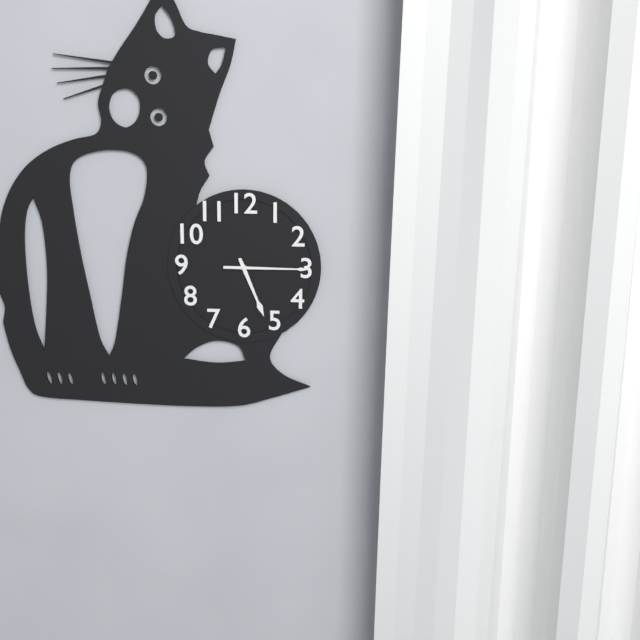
5 h 15 min
